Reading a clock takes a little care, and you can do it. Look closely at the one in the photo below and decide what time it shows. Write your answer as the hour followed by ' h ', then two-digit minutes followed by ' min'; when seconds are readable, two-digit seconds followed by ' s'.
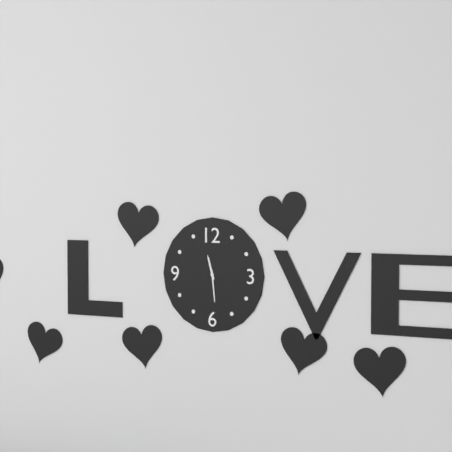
11 h 29 min
